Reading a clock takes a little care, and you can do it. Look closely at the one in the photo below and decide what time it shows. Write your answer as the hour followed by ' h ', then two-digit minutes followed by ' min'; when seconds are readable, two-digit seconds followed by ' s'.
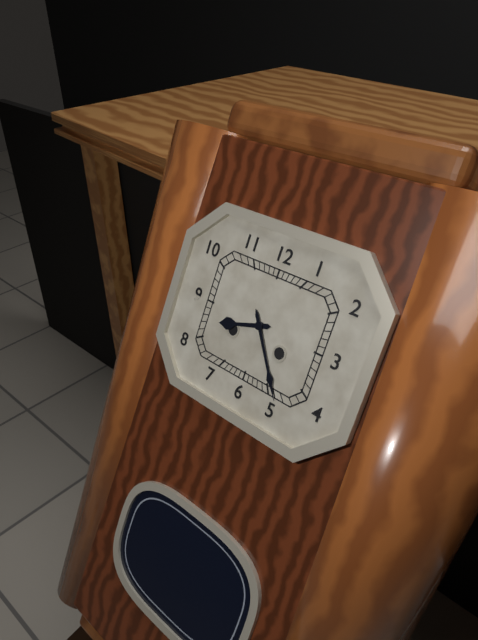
8 h 24 min
